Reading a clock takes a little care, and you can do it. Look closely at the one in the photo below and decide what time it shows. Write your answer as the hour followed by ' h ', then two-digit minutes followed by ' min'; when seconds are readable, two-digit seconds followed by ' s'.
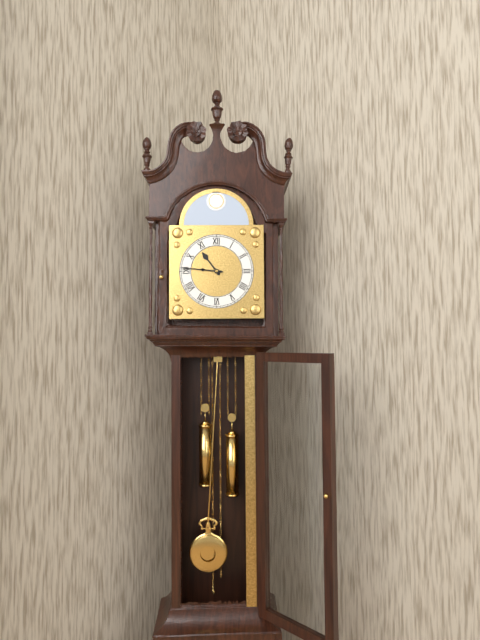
10 h 46 min
